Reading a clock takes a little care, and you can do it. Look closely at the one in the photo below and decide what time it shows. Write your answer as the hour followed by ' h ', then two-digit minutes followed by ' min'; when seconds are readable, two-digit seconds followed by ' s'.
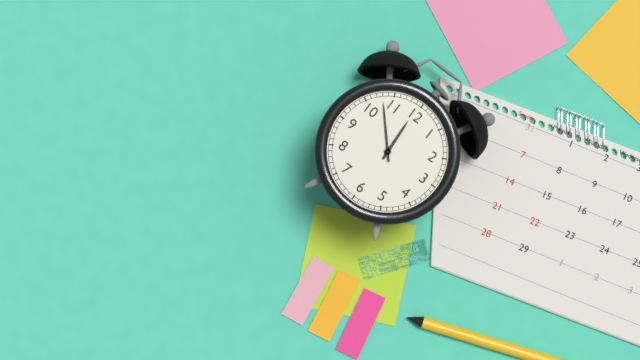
11 h 53 min
